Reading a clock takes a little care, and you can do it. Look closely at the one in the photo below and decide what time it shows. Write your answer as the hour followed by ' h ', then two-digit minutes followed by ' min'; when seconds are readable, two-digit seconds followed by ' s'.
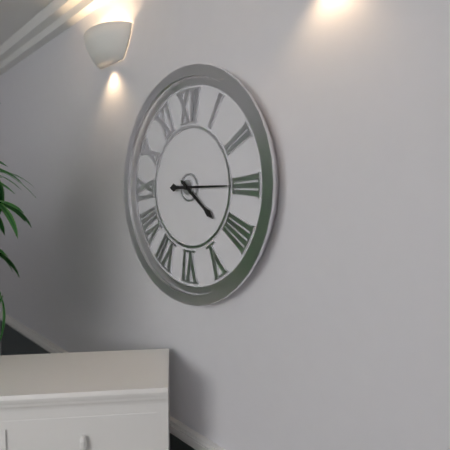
4 h 15 min
